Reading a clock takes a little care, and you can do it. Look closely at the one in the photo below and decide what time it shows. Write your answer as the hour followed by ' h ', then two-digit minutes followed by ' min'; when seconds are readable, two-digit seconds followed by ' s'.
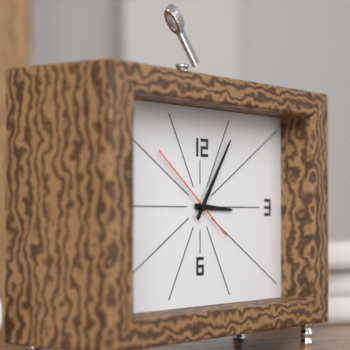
3 h 06 min 51 s
